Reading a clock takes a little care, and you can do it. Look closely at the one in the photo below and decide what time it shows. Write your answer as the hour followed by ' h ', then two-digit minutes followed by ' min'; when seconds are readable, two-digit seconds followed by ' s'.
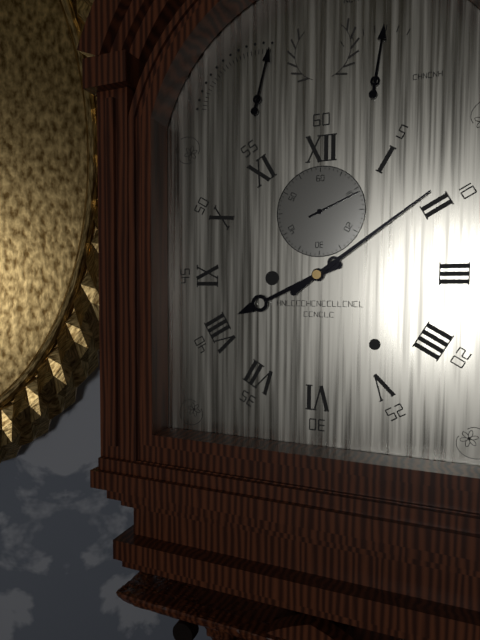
8 h 09 min 11 s
